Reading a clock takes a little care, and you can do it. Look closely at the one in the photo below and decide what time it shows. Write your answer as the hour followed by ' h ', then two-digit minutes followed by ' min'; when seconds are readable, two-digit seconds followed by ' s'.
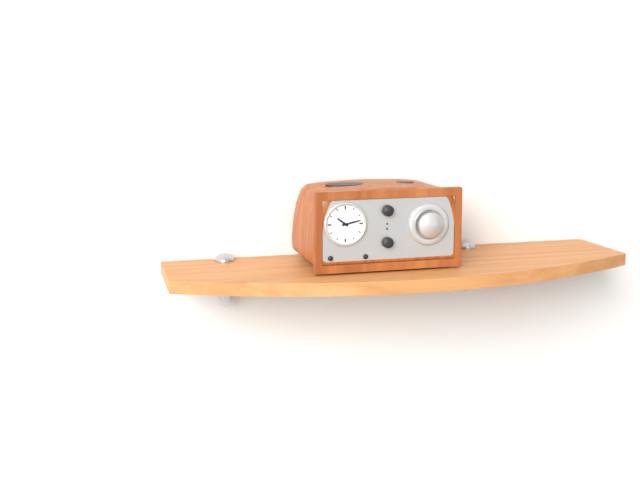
10 h 13 min
